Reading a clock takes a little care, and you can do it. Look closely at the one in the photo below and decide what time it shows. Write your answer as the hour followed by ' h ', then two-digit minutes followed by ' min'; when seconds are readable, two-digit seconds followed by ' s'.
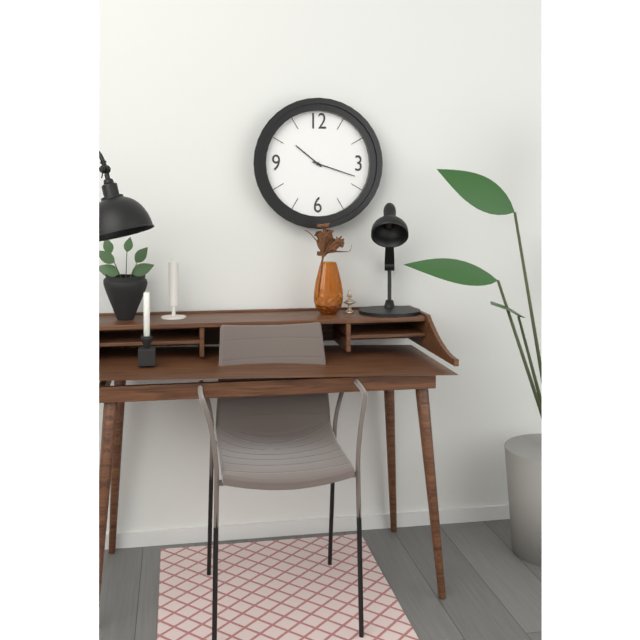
10 h 18 min
